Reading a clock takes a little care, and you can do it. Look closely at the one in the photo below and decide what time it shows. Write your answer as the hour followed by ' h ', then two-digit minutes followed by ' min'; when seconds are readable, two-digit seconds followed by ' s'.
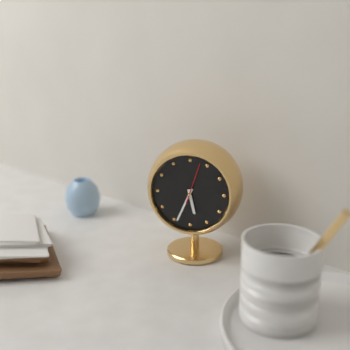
5 h 34 min
